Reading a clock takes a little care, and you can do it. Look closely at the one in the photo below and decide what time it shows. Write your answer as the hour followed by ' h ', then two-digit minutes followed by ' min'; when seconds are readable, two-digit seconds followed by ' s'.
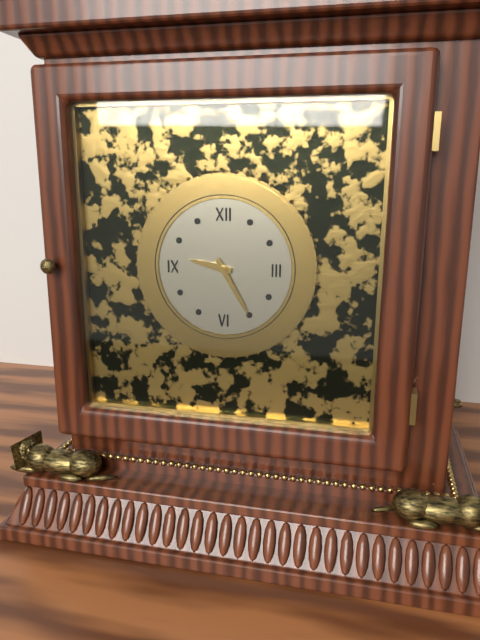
9 h 25 min
